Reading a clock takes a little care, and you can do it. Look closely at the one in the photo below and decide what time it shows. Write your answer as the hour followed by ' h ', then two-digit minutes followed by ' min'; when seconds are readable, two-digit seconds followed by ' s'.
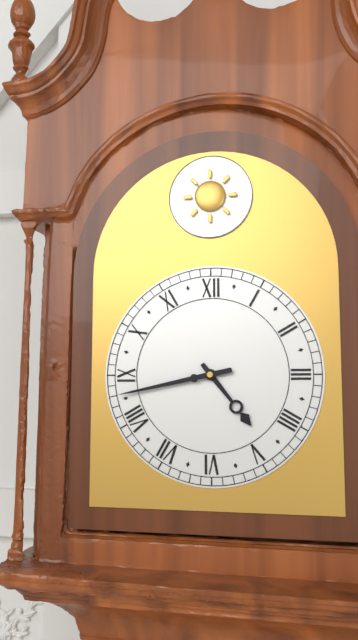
4 h 43 min
